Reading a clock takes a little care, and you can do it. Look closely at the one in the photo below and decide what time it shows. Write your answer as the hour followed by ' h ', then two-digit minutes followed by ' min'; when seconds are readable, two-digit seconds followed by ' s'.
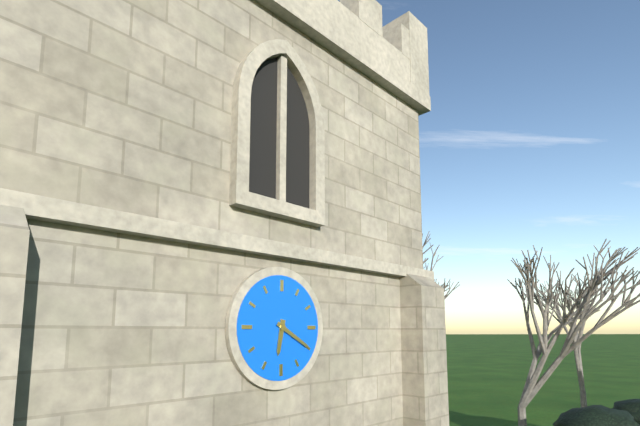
6 h 20 min
